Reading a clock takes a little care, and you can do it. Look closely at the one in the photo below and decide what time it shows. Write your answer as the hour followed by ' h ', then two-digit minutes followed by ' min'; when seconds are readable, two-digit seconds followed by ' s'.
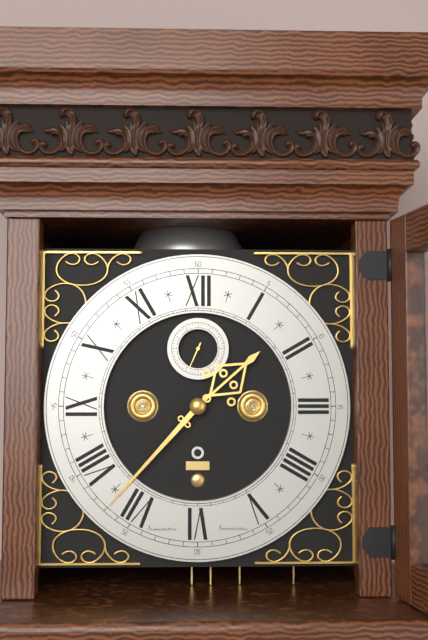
1 h 37 min
